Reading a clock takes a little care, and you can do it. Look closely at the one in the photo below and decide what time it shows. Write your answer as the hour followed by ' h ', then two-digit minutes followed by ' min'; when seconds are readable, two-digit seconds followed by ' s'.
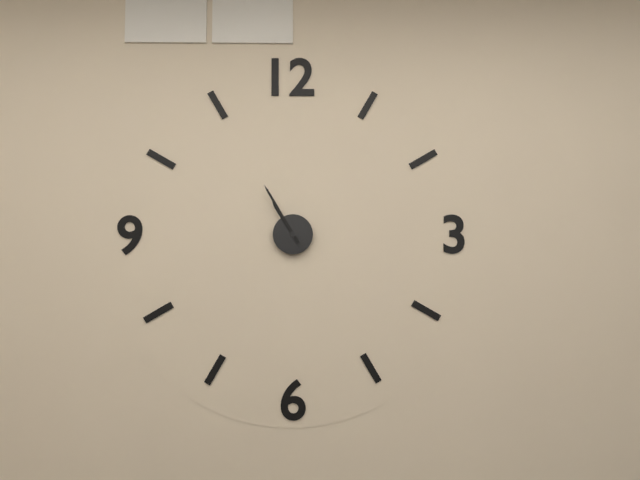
10 h 55 min
